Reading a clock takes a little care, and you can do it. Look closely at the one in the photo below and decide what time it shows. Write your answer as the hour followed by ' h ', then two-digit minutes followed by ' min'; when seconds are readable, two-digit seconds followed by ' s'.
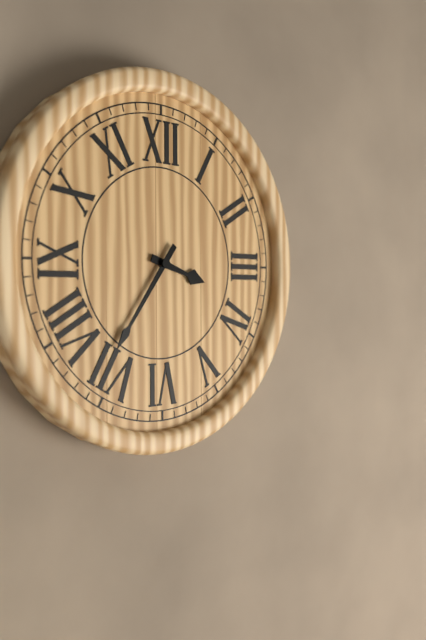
3 h 36 min
